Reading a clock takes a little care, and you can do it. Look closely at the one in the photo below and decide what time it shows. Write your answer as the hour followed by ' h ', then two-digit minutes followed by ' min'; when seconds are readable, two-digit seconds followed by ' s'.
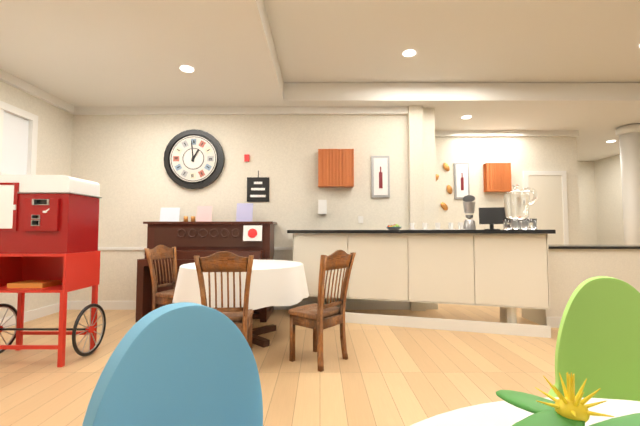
12 h 59 min
